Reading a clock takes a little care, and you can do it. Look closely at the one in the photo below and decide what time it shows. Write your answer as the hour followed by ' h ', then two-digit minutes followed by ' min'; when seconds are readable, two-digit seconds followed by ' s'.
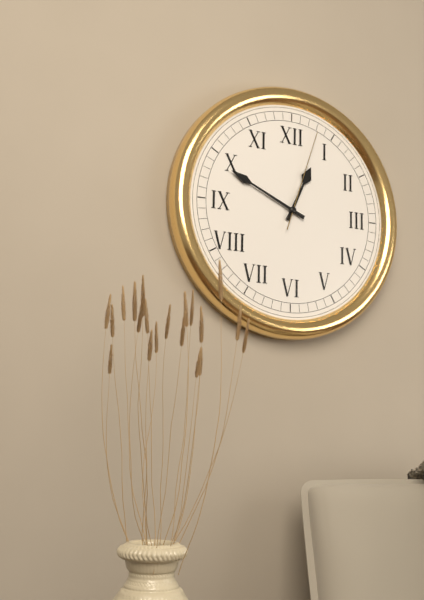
12 h 49 min 03 s
